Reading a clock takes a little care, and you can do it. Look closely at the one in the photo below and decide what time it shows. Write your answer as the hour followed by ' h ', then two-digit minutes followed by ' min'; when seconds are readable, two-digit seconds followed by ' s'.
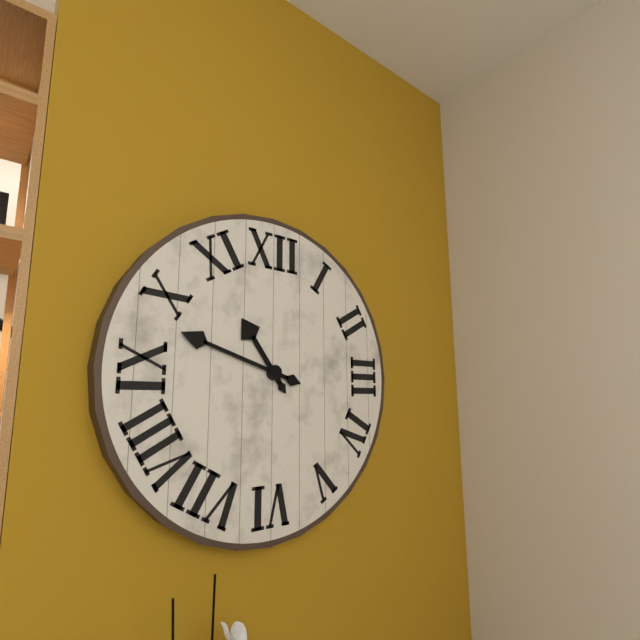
10 h 48 min
